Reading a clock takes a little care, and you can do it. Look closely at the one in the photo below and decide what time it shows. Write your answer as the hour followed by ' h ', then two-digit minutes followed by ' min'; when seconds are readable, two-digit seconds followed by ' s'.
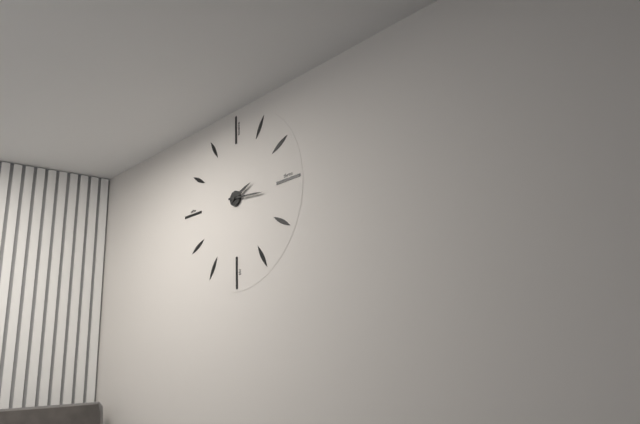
2 h 16 min
